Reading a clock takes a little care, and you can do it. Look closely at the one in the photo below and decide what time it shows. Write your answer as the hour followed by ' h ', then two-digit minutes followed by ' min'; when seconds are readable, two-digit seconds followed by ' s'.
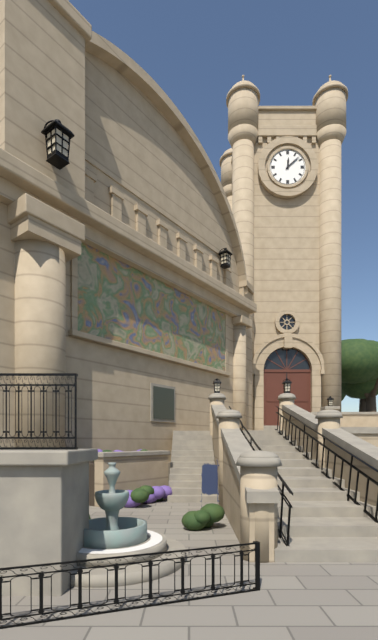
12 h 08 min
